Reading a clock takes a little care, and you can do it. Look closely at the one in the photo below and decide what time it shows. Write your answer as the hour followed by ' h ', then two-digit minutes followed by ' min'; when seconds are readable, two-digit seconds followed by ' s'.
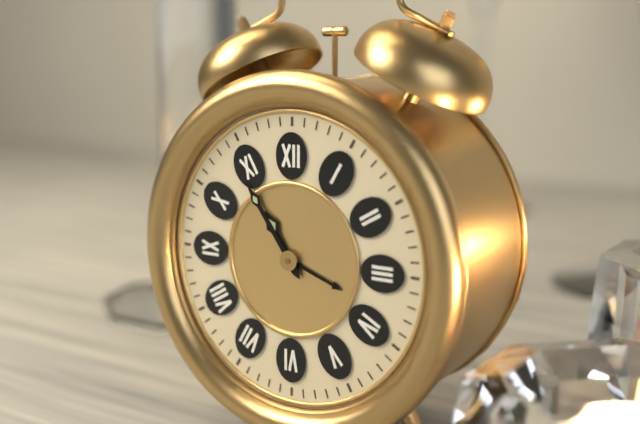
10 h 54 min
